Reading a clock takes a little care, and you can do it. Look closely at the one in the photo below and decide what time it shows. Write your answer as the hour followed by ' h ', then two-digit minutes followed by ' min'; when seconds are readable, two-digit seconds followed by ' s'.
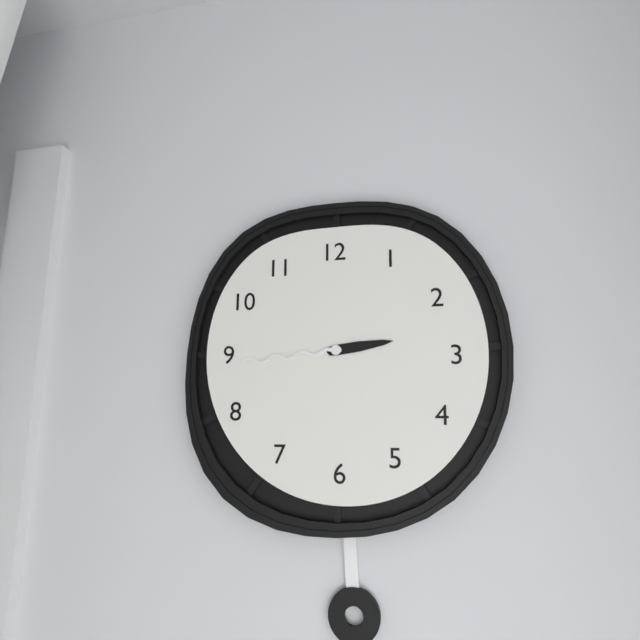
2 h 44 min
